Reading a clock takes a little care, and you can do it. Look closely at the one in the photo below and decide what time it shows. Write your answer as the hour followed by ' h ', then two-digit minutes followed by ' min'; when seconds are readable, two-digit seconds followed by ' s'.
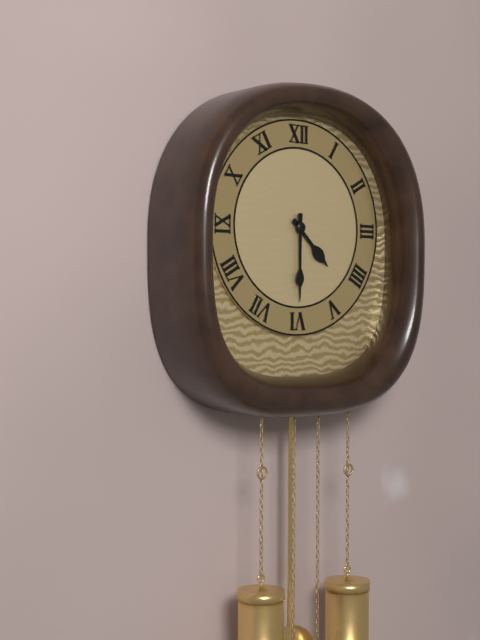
4 h 30 min
